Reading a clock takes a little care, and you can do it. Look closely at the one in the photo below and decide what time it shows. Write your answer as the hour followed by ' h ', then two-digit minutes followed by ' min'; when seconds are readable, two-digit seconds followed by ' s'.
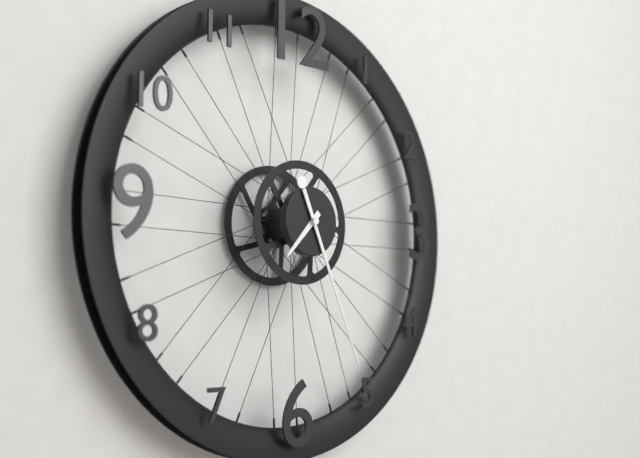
7 h 26 min
